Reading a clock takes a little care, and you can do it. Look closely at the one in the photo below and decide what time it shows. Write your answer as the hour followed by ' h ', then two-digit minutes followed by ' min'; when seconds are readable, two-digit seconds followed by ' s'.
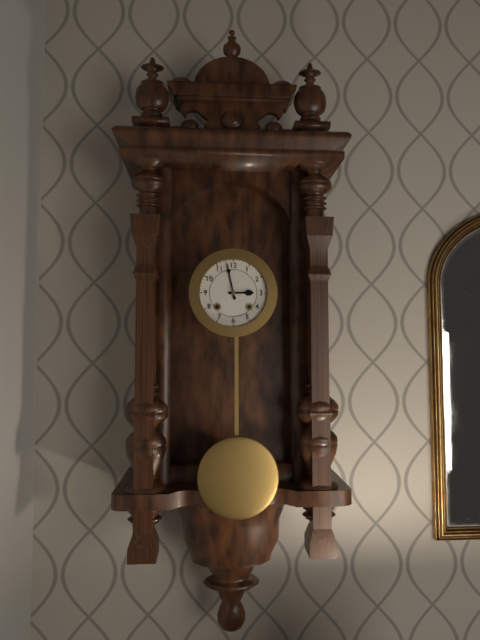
2 h 58 min
